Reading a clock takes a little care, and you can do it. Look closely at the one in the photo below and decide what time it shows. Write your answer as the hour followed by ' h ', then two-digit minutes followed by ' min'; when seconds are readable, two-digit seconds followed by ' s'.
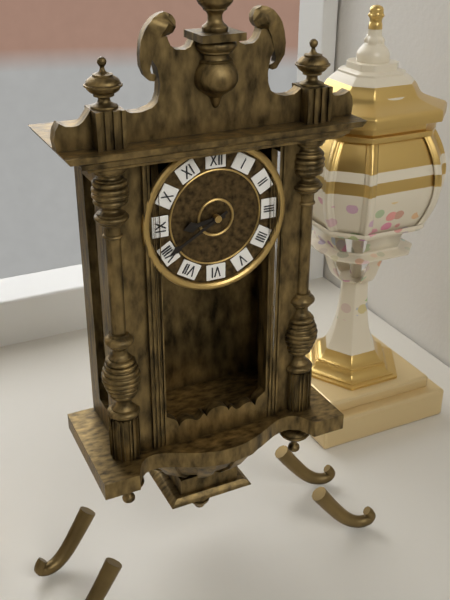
8 h 40 min
